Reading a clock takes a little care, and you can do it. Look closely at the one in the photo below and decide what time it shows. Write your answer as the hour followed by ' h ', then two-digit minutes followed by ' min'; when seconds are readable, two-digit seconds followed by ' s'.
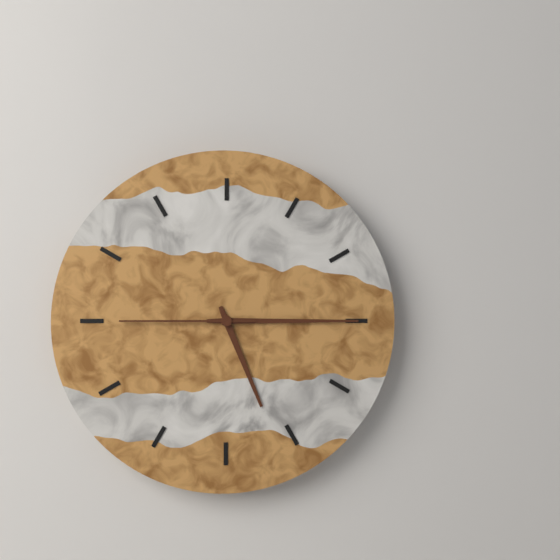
5 h 15 min 45 s
